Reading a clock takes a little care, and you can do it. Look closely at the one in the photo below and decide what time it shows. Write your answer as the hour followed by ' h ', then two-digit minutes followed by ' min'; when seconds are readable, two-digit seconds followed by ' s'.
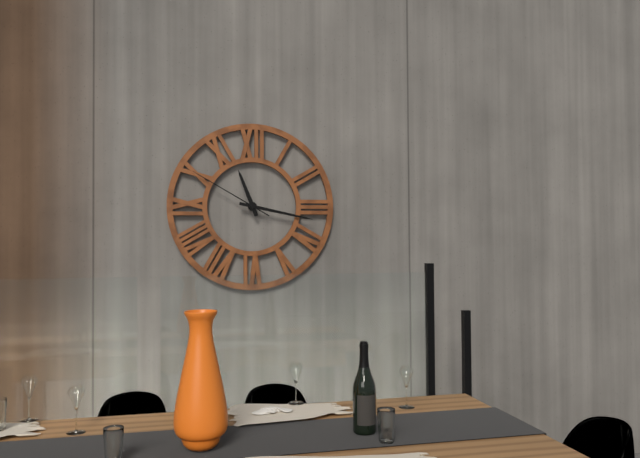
11 h 17 min 50 s
